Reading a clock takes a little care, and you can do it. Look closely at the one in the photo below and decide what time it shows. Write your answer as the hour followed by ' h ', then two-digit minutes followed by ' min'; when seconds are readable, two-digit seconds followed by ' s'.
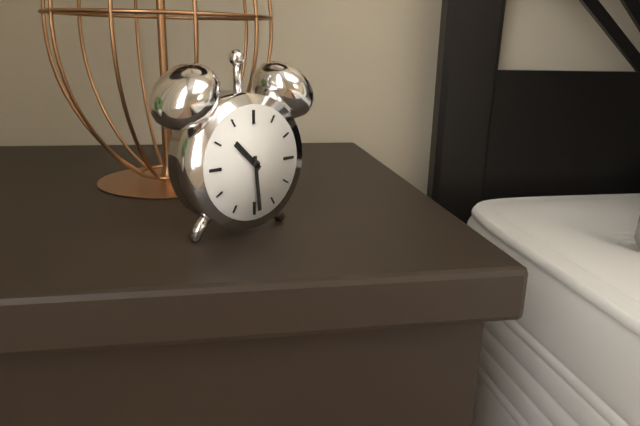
10 h 29 min
